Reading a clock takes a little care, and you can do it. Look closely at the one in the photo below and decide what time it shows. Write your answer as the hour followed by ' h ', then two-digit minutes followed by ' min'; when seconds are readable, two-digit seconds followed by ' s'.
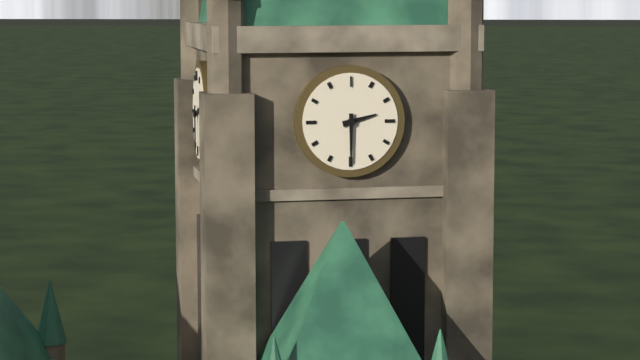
2 h 30 min
